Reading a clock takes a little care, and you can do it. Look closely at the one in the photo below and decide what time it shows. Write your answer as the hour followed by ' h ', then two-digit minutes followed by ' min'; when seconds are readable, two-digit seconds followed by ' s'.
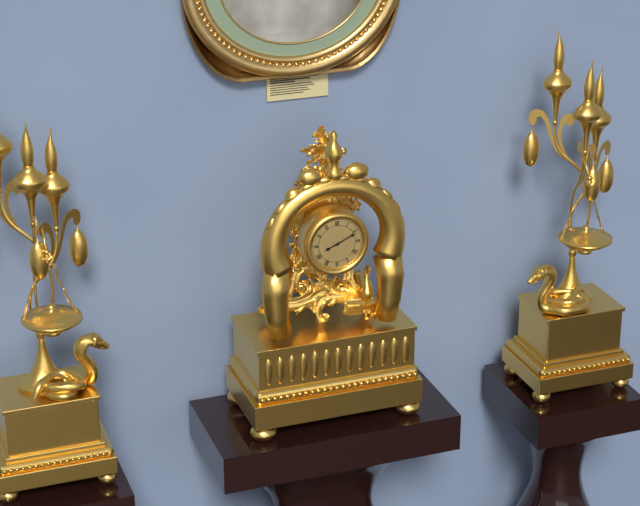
8 h 11 min
